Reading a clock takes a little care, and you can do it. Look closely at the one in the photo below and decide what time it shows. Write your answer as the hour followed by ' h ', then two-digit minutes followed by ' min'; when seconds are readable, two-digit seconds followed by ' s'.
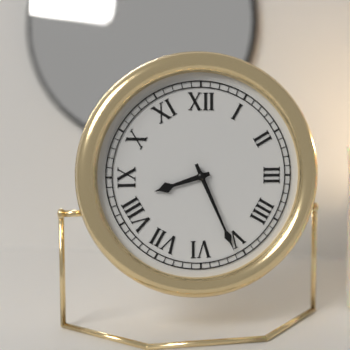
8 h 26 min
